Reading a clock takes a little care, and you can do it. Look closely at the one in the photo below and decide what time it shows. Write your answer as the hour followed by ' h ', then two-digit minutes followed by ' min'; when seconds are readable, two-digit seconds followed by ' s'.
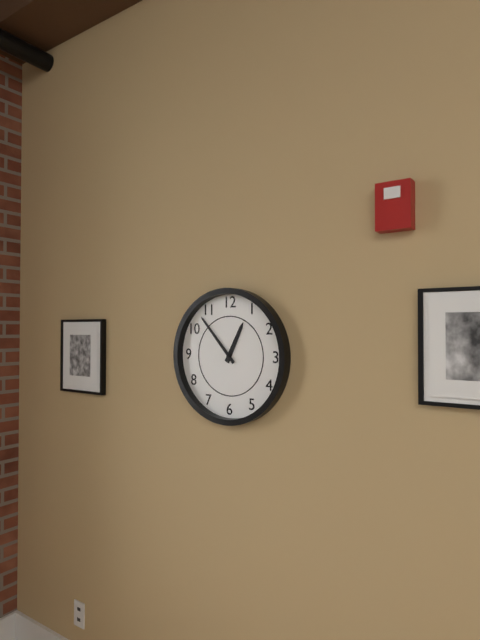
12 h 53 min
